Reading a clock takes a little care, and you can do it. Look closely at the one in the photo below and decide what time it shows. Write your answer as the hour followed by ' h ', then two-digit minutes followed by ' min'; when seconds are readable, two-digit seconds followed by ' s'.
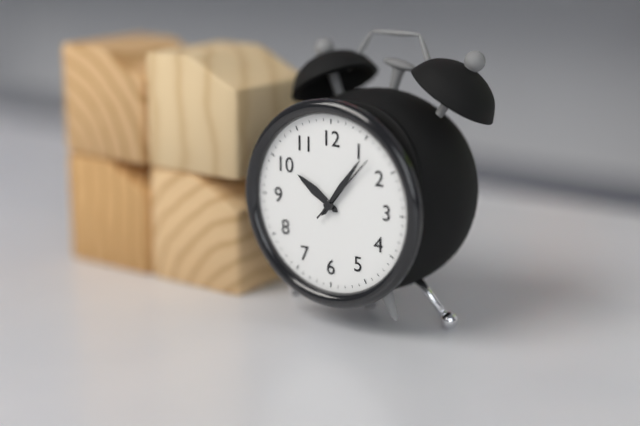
10 h 06 min 07 s
